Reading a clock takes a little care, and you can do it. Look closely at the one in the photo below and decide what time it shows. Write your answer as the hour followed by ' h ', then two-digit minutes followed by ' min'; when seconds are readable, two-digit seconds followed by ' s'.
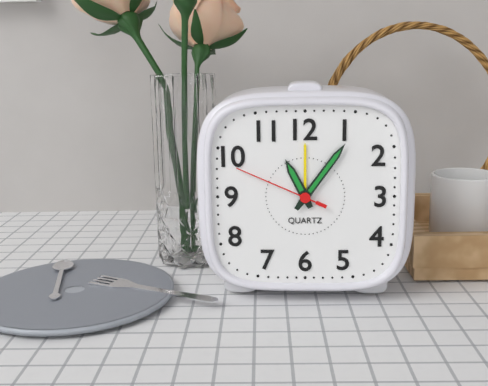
11 h 06 min 49 s
